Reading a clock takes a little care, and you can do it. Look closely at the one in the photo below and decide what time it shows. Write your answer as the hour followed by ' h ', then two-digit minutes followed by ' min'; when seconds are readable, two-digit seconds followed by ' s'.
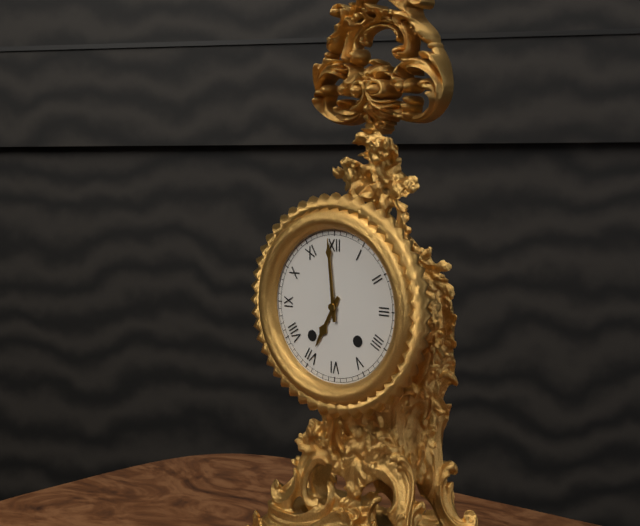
6 h 59 min
